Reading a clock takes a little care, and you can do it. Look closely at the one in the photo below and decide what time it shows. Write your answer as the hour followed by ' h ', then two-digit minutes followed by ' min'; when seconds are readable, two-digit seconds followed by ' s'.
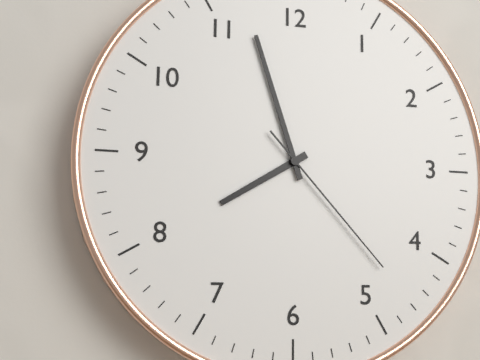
7 h 57 min 23 s
